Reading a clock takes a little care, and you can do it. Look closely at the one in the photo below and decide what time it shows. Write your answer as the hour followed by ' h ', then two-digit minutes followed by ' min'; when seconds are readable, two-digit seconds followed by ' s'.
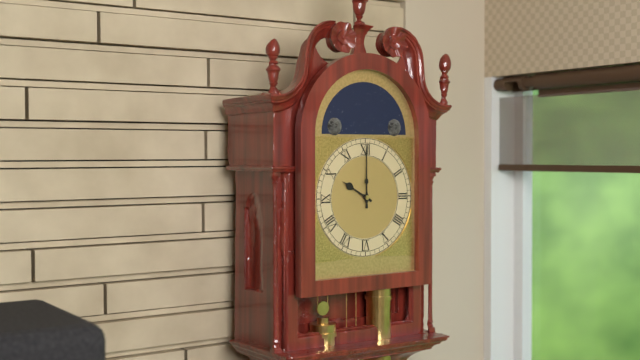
10 h 00 min
